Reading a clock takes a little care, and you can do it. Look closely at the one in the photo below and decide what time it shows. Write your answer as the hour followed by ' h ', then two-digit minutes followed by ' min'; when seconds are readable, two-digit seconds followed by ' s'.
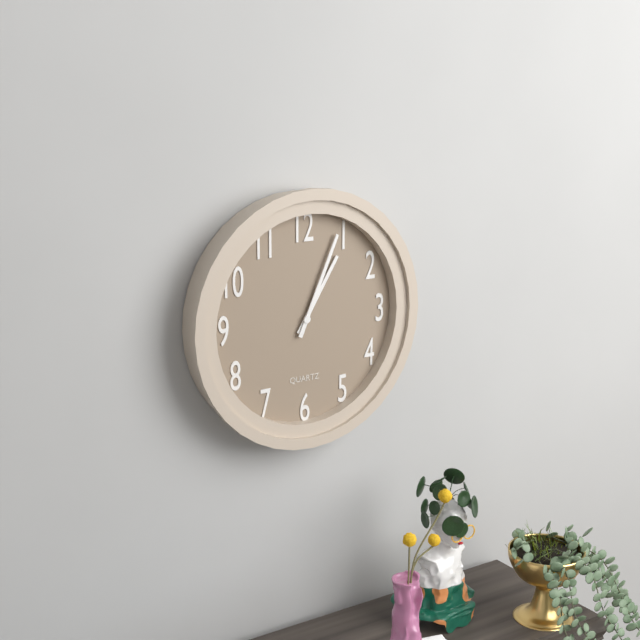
1 h 04 min
